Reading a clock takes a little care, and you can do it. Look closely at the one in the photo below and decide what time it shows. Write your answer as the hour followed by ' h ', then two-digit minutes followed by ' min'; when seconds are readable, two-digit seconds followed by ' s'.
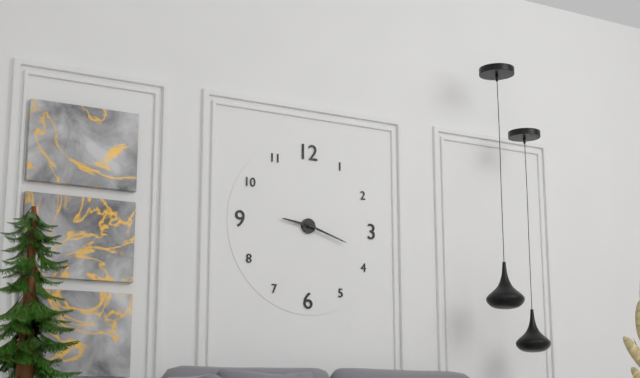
9 h 18 min
